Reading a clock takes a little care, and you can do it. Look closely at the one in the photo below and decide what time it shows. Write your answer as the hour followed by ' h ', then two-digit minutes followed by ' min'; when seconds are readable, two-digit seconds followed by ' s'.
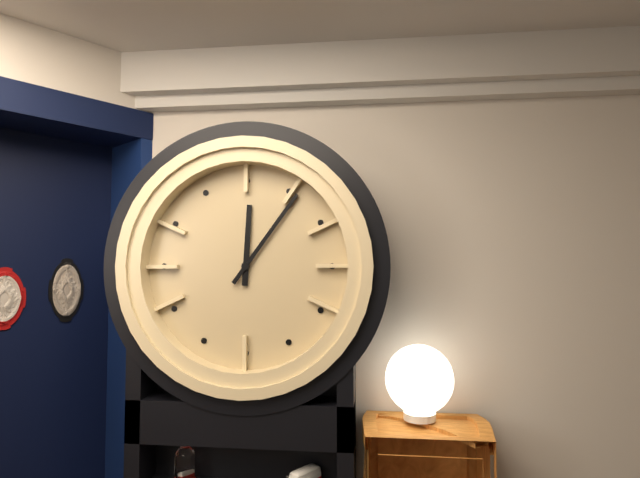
12 h 06 min
